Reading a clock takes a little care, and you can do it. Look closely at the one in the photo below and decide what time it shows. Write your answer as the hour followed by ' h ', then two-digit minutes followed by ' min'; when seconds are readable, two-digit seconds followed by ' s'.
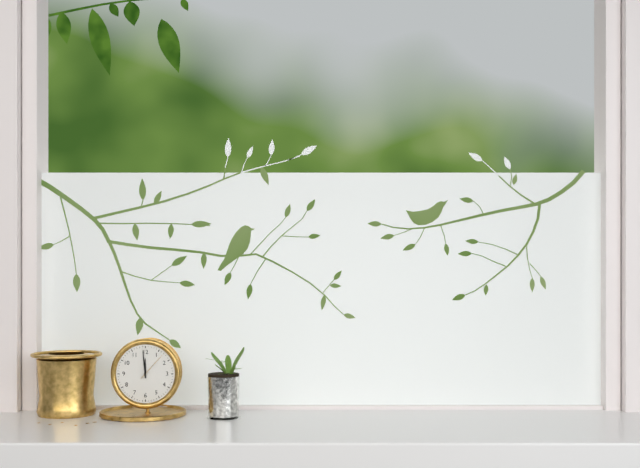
11 h 59 min
